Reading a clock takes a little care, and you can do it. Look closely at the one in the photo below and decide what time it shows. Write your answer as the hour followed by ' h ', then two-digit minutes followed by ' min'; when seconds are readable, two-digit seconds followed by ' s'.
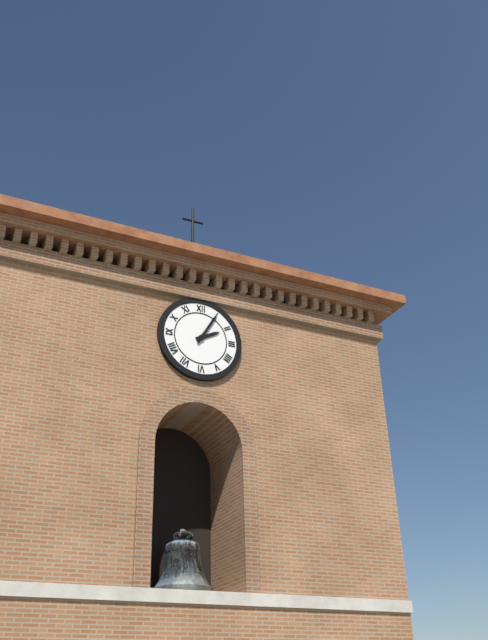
2 h 05 min
